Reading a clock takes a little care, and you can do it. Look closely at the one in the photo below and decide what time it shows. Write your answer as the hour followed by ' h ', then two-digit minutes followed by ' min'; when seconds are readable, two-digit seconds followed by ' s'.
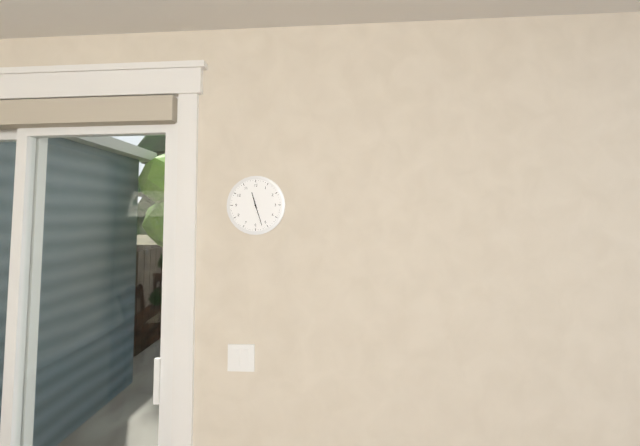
11 h 27 min
